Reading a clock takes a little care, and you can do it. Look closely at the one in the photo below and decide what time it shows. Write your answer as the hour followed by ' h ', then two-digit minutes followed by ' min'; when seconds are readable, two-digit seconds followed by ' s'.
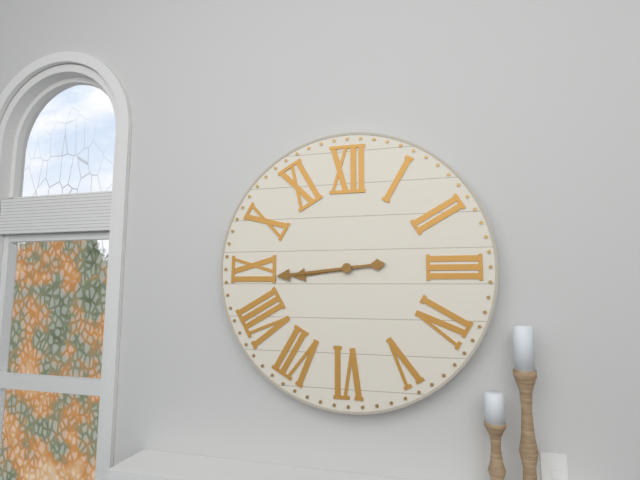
8 h 44 min
